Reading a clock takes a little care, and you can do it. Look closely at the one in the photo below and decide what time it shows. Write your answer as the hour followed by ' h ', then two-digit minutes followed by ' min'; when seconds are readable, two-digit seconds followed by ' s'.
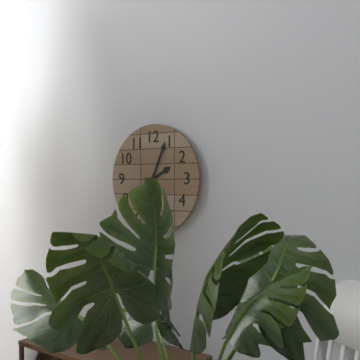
2 h 04 min
